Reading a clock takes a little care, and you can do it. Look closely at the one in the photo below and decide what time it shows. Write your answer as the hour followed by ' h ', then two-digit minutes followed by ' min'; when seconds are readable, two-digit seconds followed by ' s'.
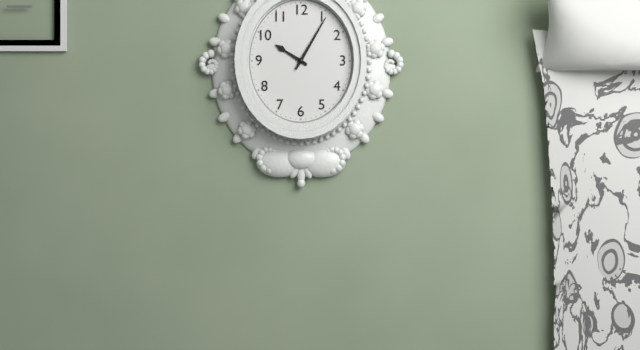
10 h 05 min
